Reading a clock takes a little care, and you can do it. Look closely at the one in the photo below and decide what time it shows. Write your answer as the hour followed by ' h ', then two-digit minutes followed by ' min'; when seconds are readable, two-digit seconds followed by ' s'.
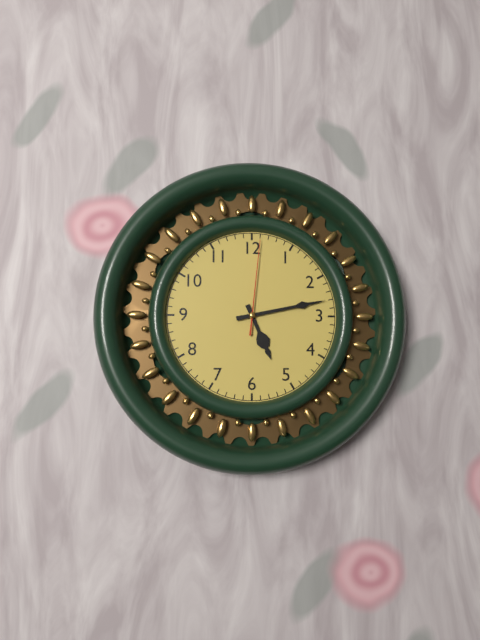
5 h 13 min 01 s
